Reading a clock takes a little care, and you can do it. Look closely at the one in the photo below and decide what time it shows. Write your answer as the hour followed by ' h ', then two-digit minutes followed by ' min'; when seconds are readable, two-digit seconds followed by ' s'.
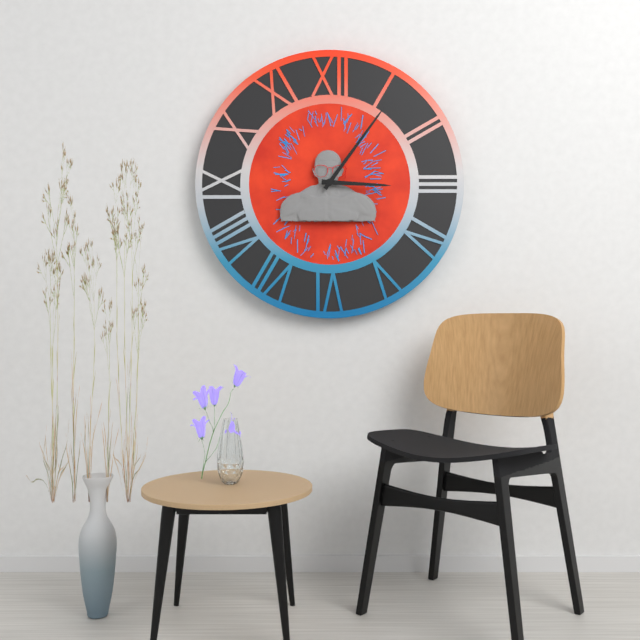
3 h 06 min
